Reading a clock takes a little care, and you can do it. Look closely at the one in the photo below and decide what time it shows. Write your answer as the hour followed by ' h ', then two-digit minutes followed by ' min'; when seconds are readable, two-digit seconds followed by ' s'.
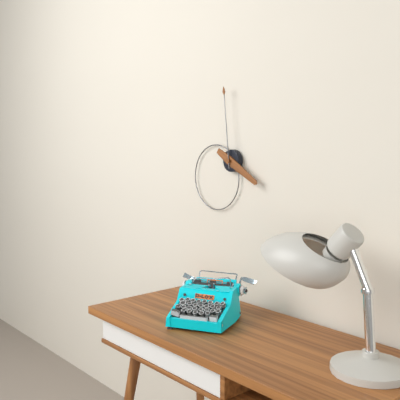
3 h 59 min
